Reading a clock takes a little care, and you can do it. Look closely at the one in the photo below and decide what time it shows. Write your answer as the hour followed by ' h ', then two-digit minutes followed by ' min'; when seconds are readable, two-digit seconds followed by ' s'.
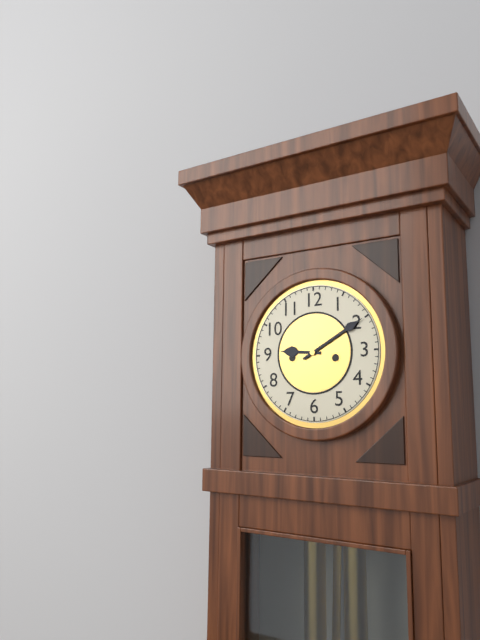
9 h 10 min
